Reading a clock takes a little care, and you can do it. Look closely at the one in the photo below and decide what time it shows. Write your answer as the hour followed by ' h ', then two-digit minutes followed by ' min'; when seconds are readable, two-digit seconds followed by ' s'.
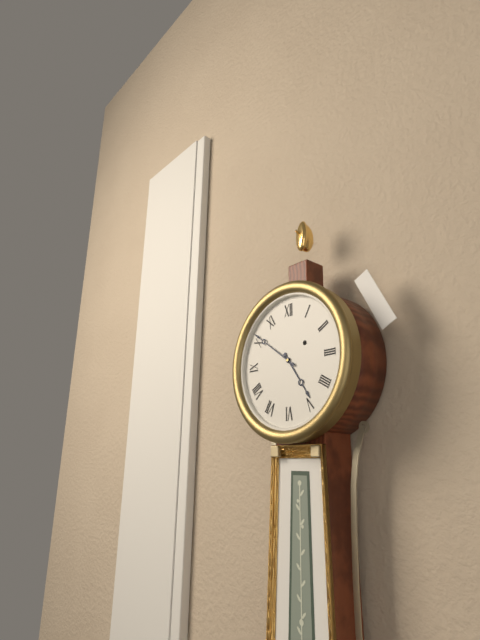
4 h 51 min
